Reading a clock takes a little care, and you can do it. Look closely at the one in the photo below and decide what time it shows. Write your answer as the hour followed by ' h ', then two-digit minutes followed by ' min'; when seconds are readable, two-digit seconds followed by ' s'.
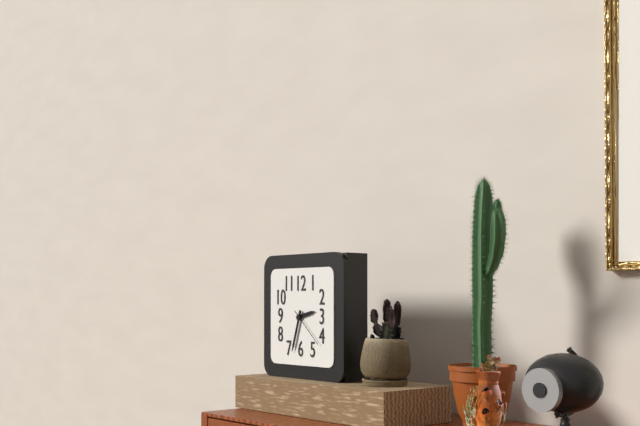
2 h 33 min
